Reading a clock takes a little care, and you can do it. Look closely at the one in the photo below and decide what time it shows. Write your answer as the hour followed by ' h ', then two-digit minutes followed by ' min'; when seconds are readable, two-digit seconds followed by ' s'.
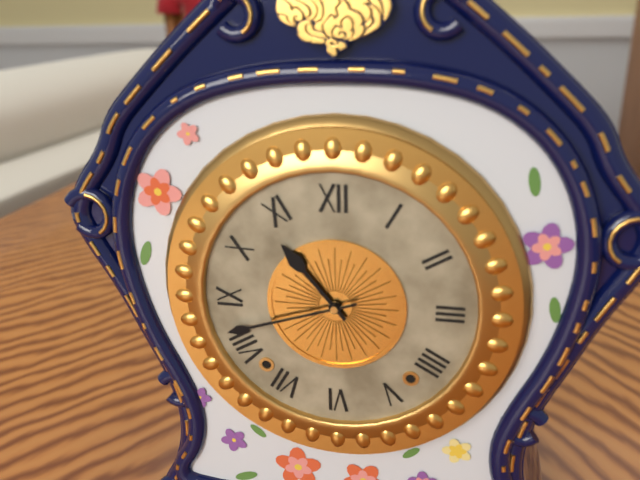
10 h 42 min
